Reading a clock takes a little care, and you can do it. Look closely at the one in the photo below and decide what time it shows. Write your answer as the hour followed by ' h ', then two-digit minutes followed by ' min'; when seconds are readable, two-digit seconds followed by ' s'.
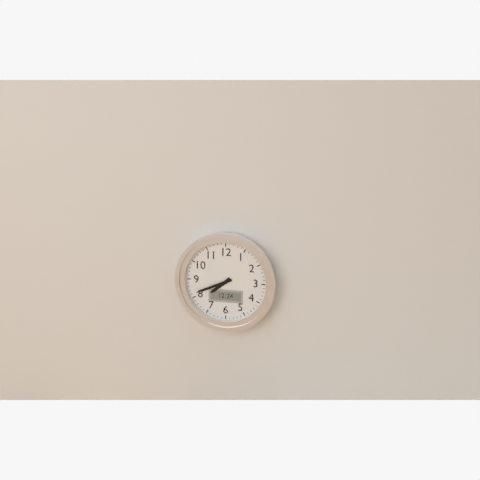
7 h 41 min
